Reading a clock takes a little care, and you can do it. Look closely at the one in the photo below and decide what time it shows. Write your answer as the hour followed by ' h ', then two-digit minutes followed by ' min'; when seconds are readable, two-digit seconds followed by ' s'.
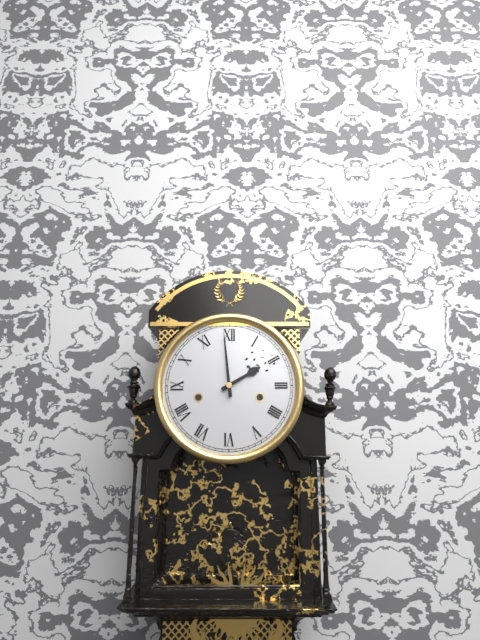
1 h 59 min
